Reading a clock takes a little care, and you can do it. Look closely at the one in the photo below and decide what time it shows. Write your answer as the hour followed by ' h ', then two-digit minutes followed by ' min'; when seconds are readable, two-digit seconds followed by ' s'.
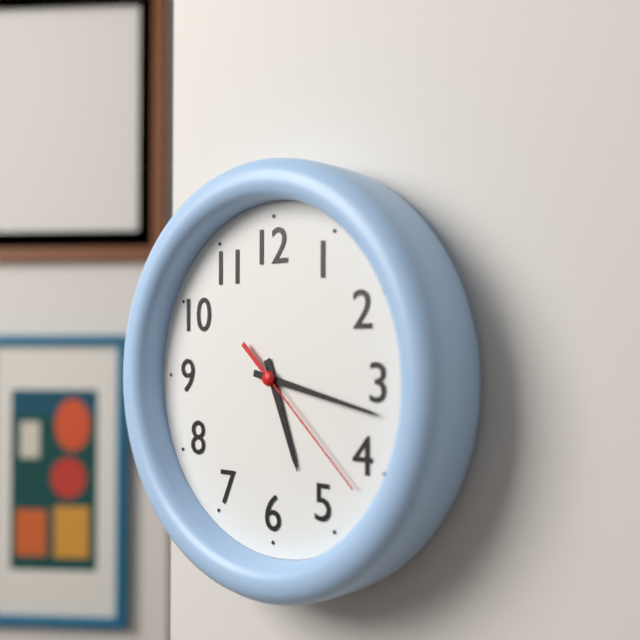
5 h 17 min 22 s
